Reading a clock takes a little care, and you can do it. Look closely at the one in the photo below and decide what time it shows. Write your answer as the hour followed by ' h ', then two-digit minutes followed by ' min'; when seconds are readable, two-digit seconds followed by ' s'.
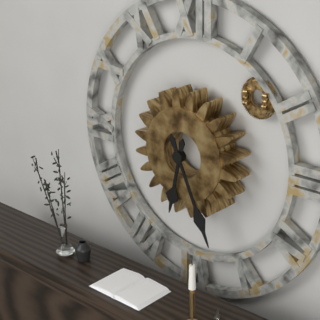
6 h 26 min
